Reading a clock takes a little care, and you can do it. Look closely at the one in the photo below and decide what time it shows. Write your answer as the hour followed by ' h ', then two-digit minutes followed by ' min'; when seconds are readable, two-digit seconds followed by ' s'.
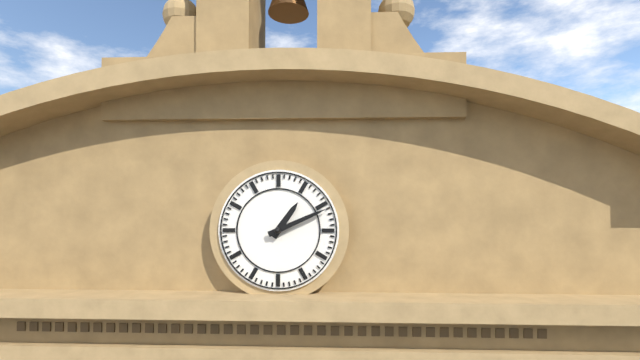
1 h 11 min
